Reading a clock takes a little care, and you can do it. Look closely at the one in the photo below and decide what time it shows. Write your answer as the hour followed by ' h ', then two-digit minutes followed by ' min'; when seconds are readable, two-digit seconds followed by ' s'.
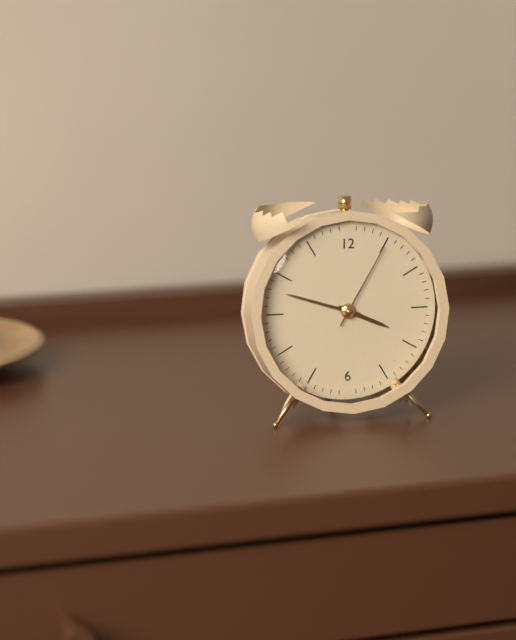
3 h 48 min 05 s
